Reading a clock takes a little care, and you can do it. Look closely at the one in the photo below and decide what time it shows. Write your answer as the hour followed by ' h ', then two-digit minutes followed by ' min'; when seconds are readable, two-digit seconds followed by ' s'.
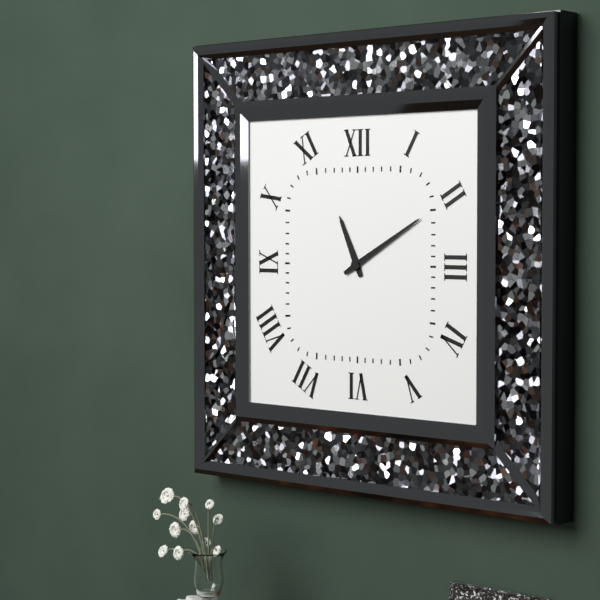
11 h 10 min
